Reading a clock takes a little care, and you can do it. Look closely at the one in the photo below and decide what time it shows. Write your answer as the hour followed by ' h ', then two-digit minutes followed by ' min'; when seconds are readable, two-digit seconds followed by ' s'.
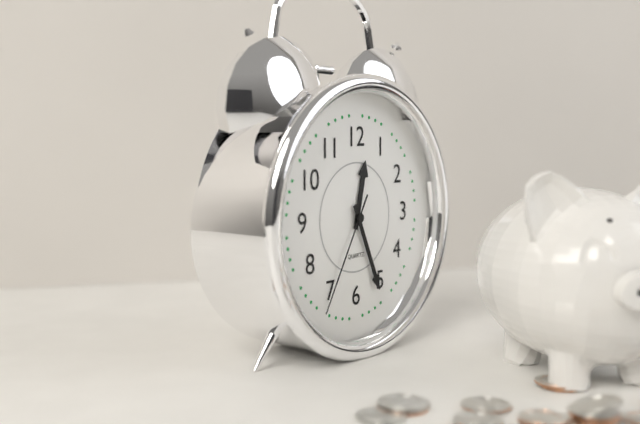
12 h 26 min 35 s
